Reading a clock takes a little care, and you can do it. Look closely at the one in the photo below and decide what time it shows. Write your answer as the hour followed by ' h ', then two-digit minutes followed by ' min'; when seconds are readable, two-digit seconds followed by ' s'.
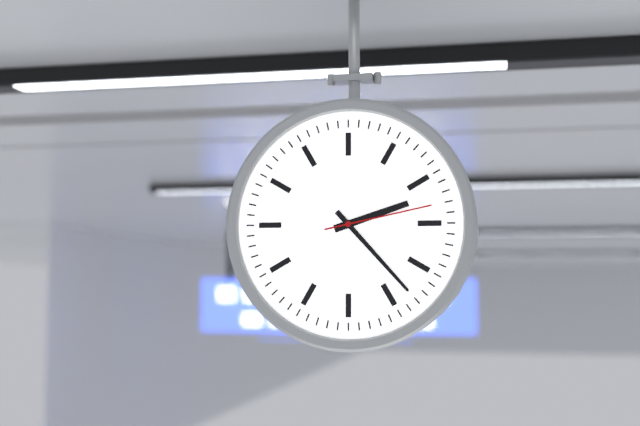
2 h 23 min 13 s
